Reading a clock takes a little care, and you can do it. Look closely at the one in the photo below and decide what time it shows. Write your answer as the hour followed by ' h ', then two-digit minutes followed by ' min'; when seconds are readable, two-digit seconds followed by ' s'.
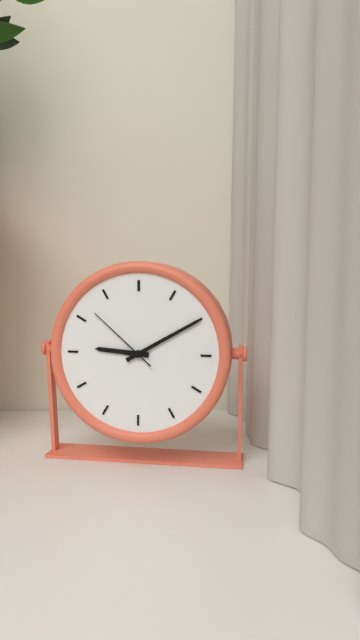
9 h 10 min 52 s
